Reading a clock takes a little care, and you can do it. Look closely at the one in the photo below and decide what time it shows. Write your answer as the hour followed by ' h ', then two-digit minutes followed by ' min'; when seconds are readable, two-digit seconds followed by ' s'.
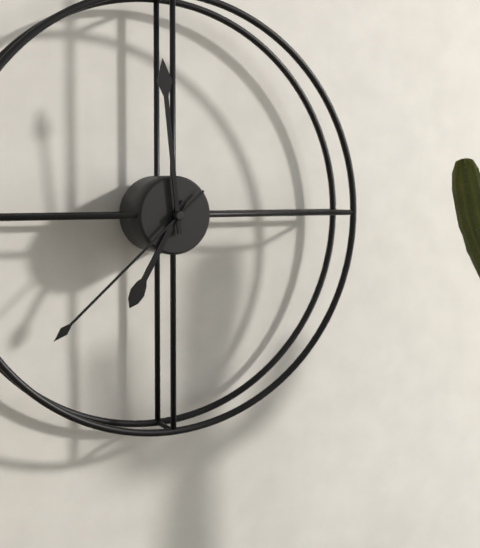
6 h 59 min 38 s
